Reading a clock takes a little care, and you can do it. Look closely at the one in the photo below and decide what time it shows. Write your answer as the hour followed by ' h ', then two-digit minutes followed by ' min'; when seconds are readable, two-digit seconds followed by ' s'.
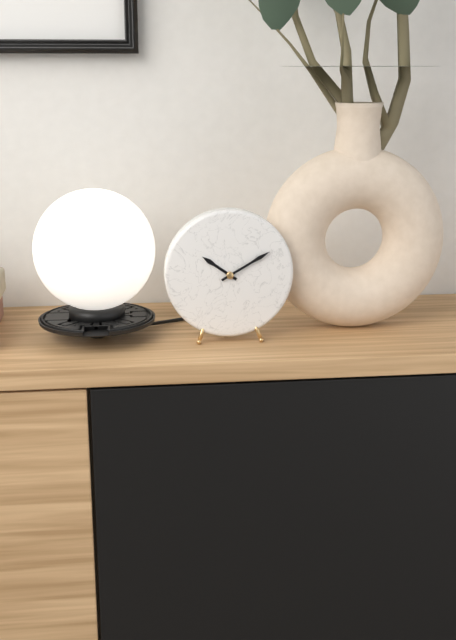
10 h 10 min
